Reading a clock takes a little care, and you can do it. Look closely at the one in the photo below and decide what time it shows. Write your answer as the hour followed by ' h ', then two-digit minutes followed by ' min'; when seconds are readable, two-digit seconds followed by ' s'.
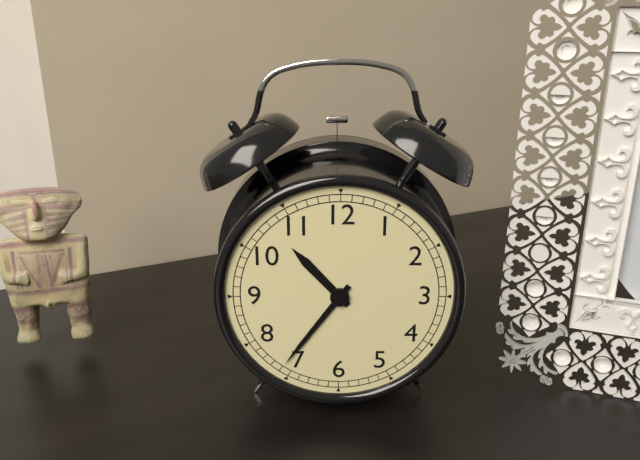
10 h 36 min
